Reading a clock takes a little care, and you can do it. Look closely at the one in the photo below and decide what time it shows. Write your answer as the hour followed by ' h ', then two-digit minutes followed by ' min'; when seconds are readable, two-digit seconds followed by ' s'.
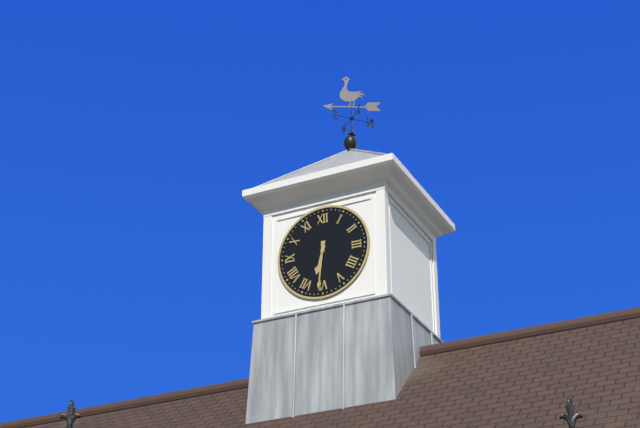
6 h 31 min
